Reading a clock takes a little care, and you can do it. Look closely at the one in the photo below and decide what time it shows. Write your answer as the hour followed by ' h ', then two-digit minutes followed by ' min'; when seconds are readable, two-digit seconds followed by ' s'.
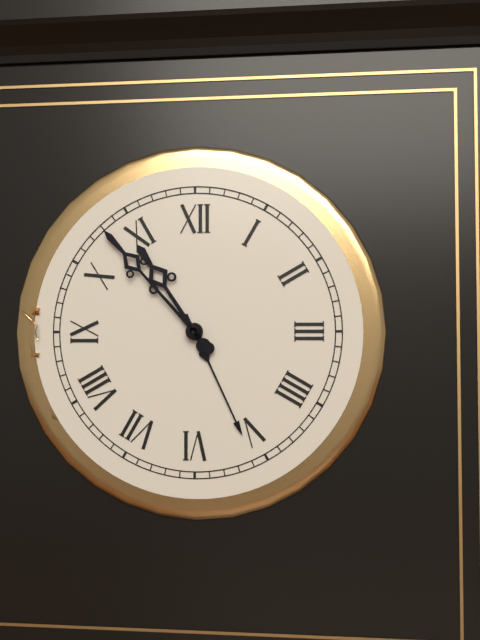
10 h 53 min
